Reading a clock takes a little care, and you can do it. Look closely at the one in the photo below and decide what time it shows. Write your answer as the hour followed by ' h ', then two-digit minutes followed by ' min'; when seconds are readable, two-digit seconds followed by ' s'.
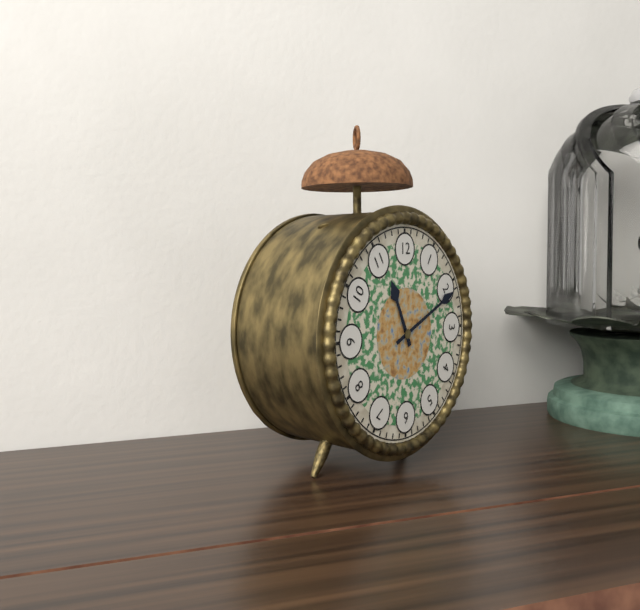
11 h 11 min
